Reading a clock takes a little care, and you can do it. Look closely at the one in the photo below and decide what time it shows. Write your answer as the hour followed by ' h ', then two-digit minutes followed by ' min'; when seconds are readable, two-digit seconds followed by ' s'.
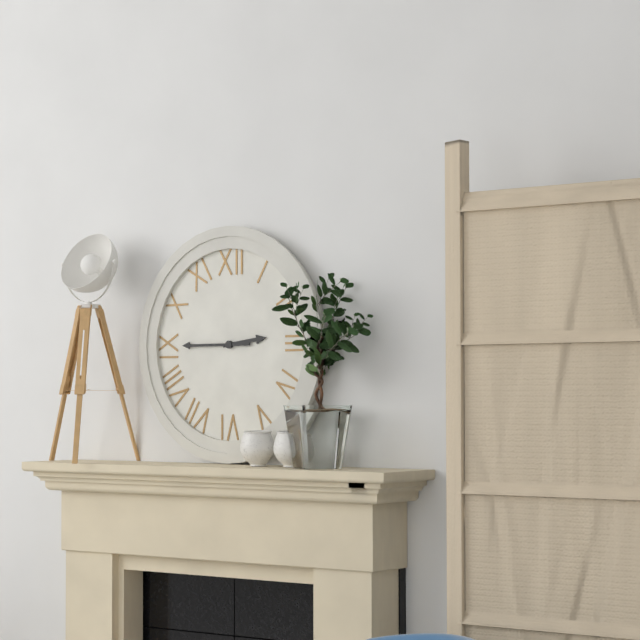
2 h 45 min
